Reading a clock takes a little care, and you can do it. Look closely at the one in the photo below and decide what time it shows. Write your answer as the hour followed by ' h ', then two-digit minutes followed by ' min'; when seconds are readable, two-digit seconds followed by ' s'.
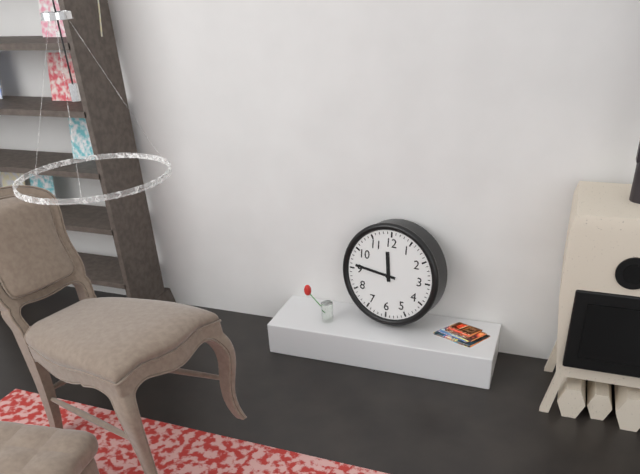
11 h 46 min
